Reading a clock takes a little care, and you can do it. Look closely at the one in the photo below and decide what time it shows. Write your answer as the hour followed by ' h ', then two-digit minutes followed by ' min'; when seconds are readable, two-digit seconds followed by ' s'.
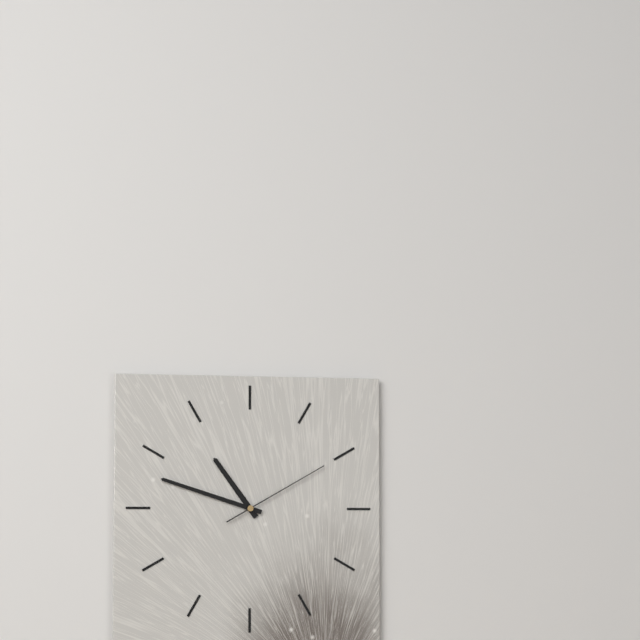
10 h 48 min 10 s
